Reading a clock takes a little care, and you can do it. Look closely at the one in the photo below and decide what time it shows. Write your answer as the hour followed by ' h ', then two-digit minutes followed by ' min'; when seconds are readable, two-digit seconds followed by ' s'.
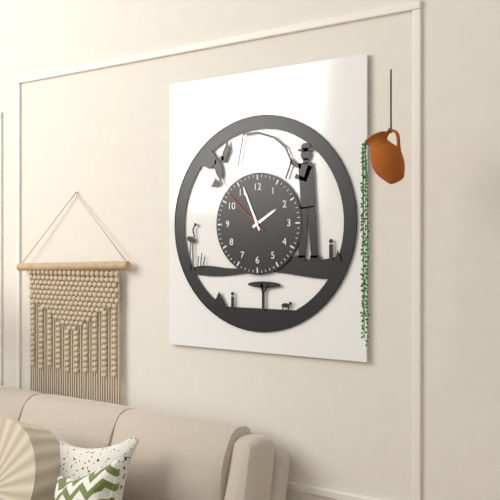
1 h 56 min 52 s
